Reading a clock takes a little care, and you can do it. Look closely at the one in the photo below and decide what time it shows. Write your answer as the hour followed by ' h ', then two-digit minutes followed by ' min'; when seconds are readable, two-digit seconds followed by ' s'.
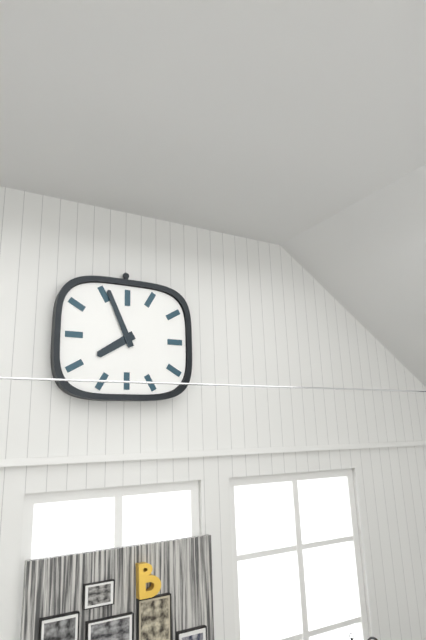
7 h 56 min
